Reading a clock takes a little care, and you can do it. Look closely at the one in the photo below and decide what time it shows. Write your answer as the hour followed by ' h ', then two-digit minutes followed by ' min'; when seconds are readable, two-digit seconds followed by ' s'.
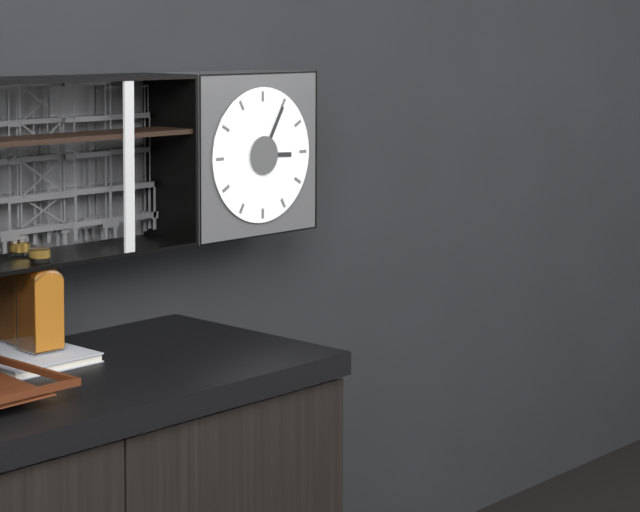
3 h 05 min
